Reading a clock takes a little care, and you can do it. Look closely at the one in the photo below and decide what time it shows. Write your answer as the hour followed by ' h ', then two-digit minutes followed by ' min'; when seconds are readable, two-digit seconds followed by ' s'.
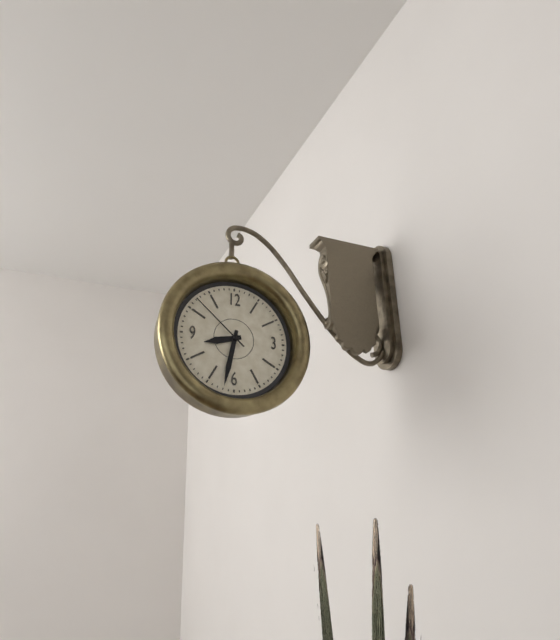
8 h 32 min 52 s
